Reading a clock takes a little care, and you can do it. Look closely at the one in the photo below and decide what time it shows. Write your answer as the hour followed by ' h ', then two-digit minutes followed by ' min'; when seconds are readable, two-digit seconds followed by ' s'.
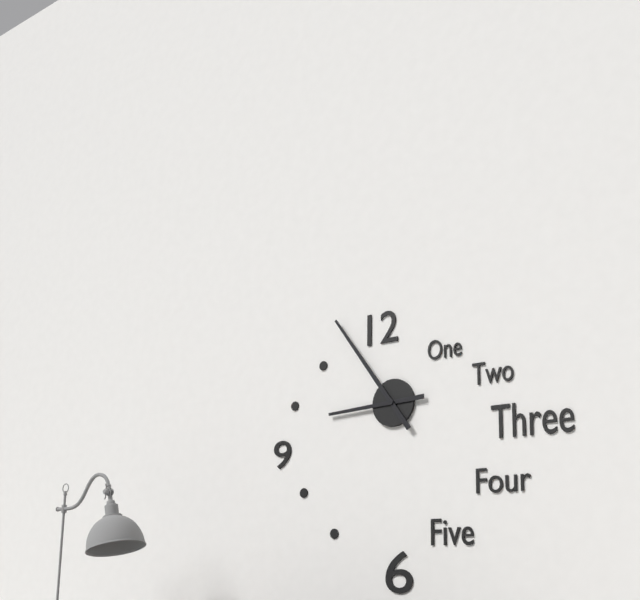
8 h 54 min
